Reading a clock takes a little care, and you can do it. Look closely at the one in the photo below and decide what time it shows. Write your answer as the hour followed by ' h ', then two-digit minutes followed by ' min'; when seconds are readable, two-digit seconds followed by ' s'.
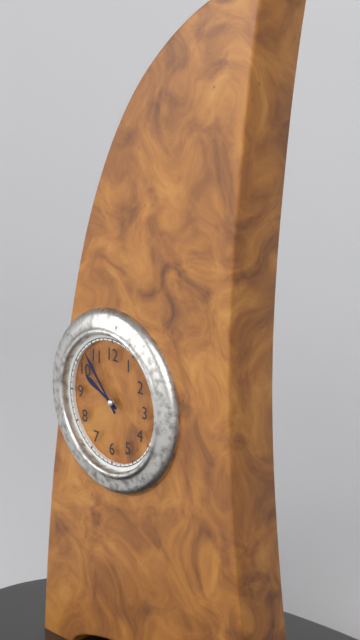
9 h 53 min
